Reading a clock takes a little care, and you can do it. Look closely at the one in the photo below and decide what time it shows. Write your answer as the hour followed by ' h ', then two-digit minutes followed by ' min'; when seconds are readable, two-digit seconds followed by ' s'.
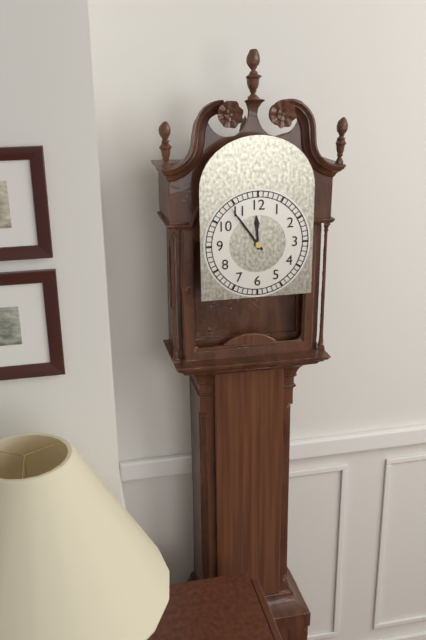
11 h 54 min
